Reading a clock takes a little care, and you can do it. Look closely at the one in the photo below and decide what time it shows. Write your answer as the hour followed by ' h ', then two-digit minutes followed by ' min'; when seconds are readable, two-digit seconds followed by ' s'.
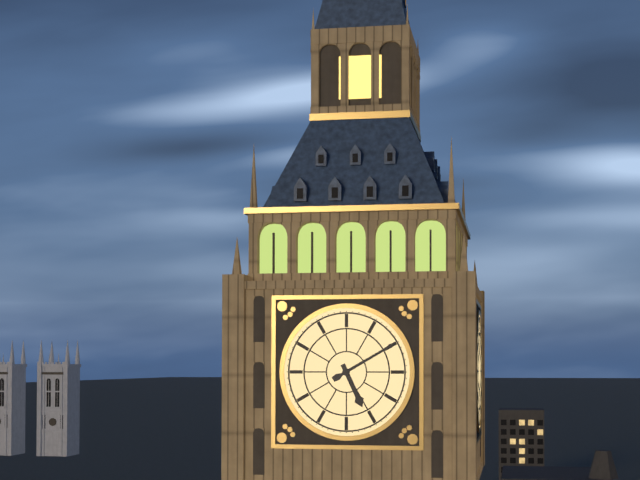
5 h 10 min
